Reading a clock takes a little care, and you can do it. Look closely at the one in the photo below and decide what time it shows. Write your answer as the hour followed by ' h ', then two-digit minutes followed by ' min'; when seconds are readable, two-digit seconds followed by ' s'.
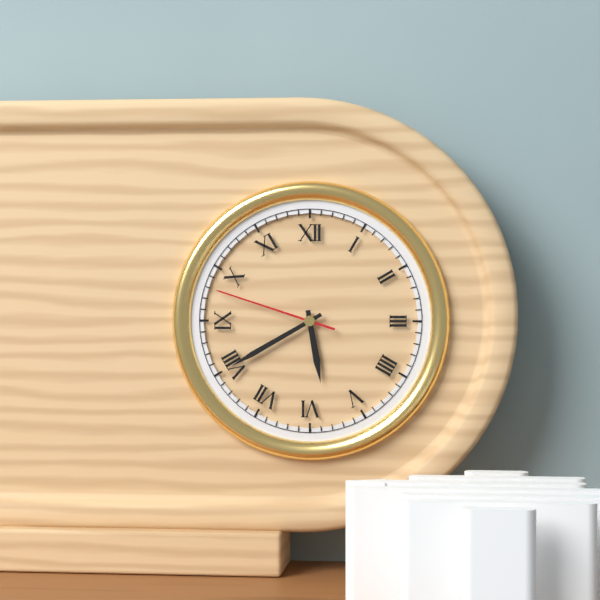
5 h 40 min 48 s
